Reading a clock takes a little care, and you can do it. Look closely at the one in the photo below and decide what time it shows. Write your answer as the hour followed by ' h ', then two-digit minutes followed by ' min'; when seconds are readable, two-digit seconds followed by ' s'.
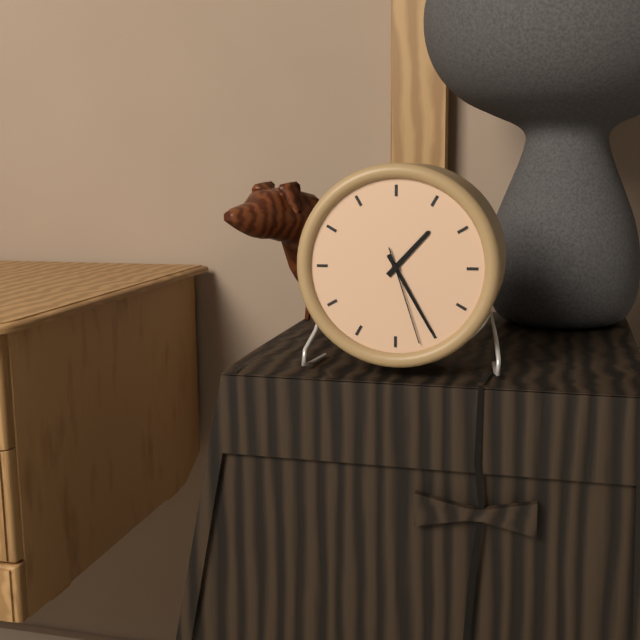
1 h 25 min 27 s
